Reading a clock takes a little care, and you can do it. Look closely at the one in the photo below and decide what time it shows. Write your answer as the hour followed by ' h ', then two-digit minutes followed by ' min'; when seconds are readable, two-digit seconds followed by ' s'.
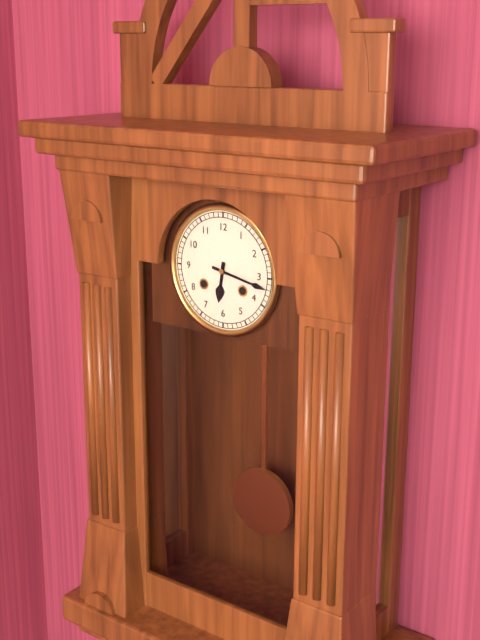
6 h 17 min
